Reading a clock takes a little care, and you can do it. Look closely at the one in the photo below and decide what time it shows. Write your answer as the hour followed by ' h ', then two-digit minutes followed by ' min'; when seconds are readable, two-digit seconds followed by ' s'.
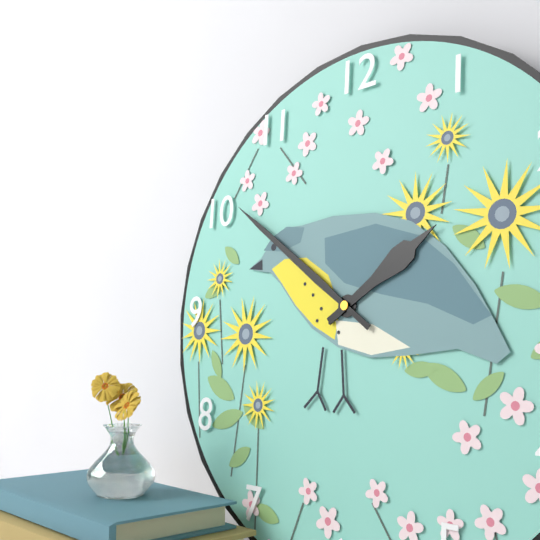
1 h 51 min
